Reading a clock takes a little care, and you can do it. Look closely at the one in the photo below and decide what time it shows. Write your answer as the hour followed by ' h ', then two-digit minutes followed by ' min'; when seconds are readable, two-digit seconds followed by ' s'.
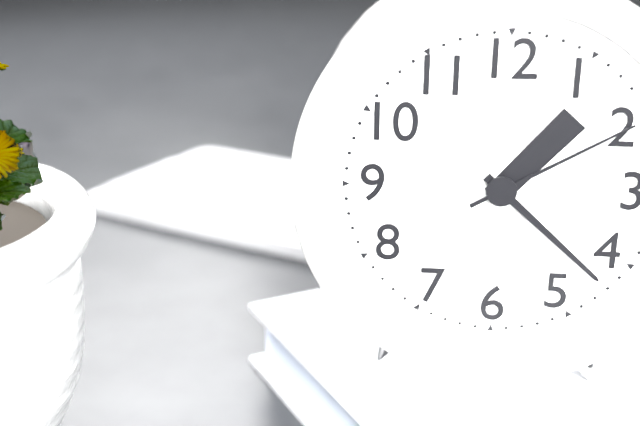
1 h 22 min 10 s
